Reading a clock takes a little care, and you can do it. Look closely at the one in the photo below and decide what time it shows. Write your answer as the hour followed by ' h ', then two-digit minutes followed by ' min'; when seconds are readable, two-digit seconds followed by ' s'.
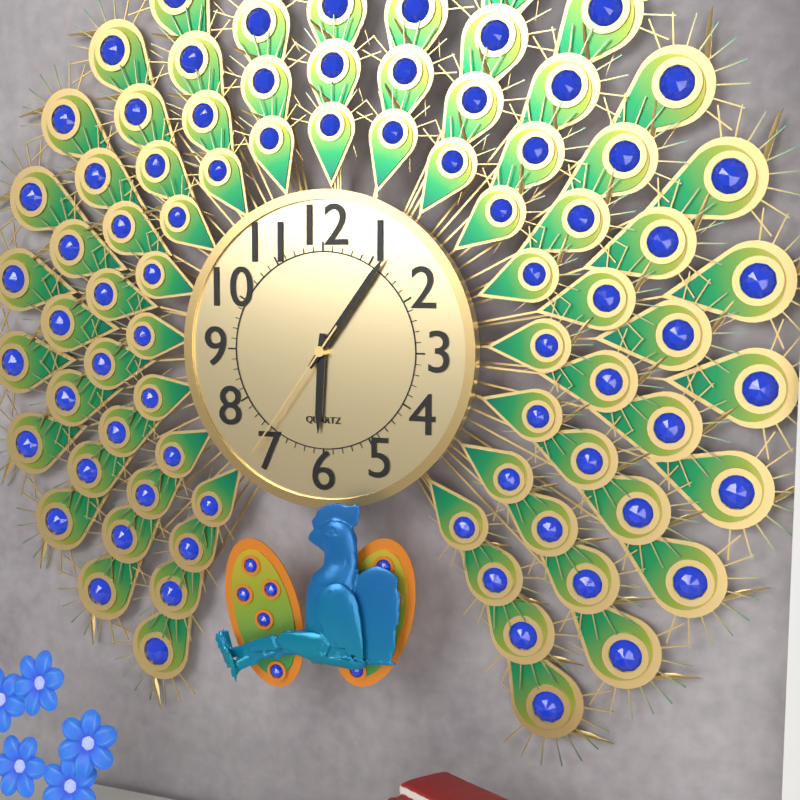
6 h 06 min 36 s
